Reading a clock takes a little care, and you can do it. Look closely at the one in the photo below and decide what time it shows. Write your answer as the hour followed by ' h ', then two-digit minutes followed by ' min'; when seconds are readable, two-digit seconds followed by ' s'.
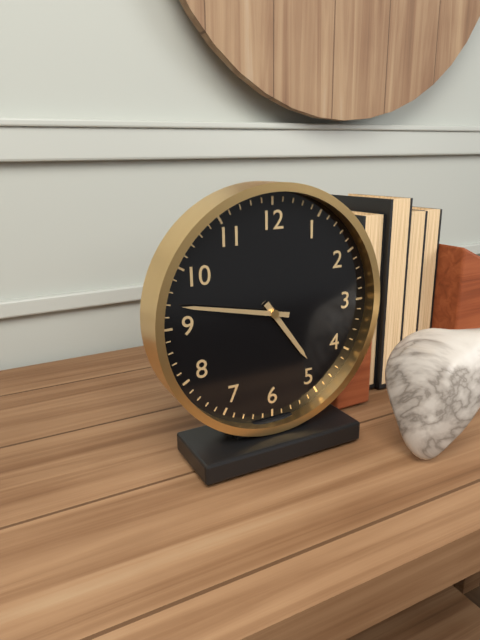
4 h 47 min
